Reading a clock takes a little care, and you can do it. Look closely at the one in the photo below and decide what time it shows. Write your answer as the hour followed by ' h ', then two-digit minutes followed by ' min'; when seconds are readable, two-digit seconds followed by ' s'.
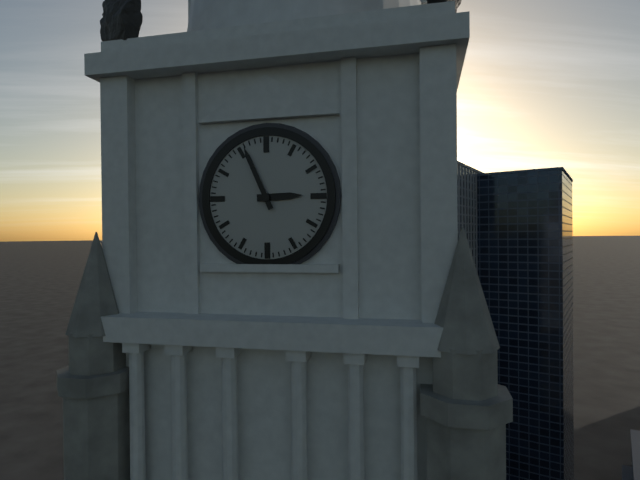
2 h 56 min
